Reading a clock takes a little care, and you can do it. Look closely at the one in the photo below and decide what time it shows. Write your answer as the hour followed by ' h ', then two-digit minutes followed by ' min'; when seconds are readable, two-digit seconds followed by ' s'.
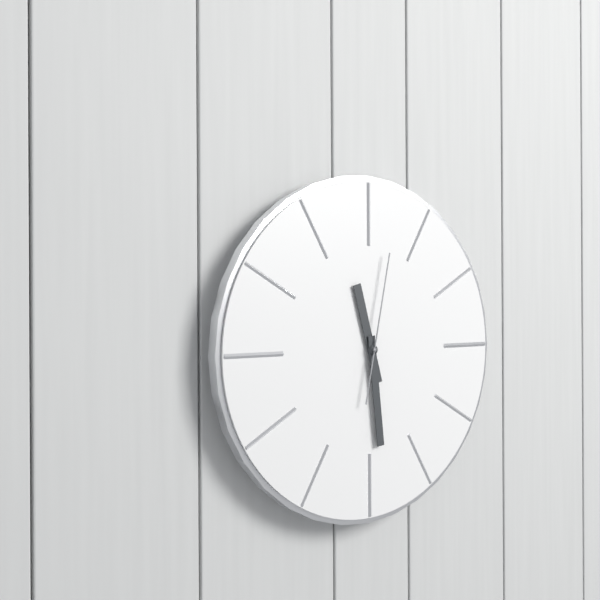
11 h 29 min 02 s
